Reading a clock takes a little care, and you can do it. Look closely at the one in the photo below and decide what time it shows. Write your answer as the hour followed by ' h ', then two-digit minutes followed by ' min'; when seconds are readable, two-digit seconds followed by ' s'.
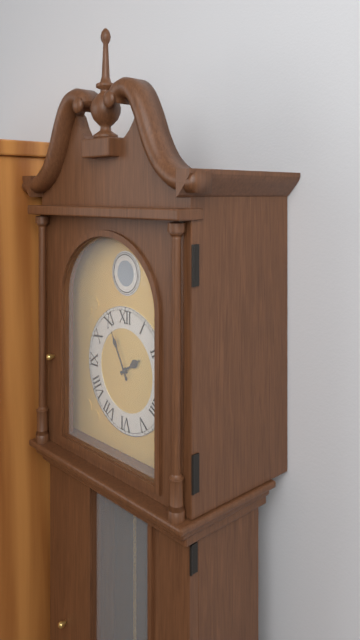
1 h 55 min
